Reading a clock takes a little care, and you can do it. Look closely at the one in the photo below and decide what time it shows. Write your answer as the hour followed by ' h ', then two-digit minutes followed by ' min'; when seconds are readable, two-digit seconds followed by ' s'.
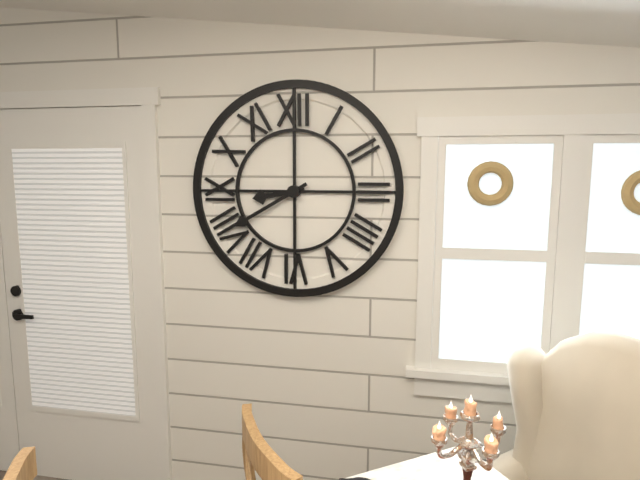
8 h 40 min
